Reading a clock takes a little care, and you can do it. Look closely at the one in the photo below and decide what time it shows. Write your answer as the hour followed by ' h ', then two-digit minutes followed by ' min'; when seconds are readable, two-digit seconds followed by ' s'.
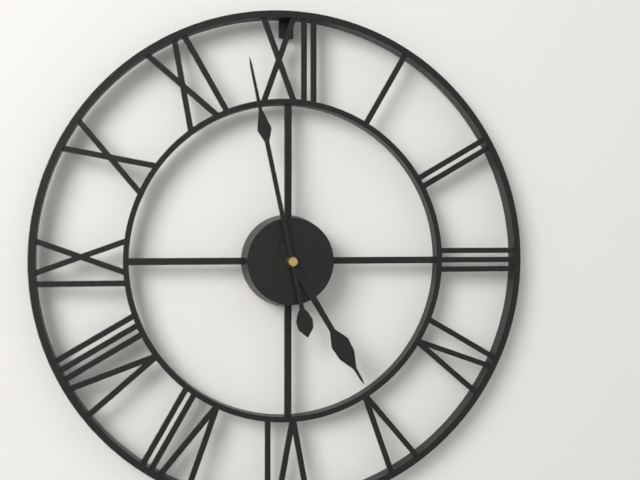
4 h 58 min
